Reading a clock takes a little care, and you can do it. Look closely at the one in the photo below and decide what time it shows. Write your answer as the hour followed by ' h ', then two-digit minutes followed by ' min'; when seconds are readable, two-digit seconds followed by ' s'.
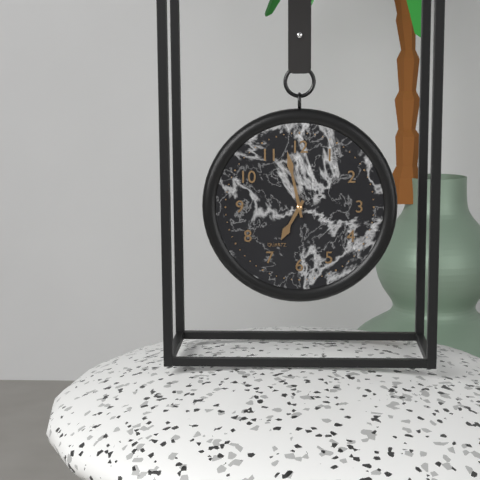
6 h 58 min
